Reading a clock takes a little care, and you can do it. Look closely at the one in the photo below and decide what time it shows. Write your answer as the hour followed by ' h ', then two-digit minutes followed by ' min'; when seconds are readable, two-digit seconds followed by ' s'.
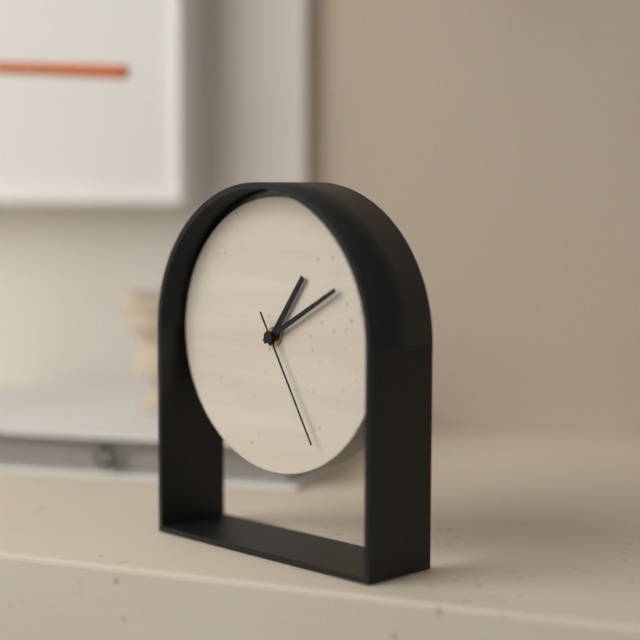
1 h 10 min 25 s
